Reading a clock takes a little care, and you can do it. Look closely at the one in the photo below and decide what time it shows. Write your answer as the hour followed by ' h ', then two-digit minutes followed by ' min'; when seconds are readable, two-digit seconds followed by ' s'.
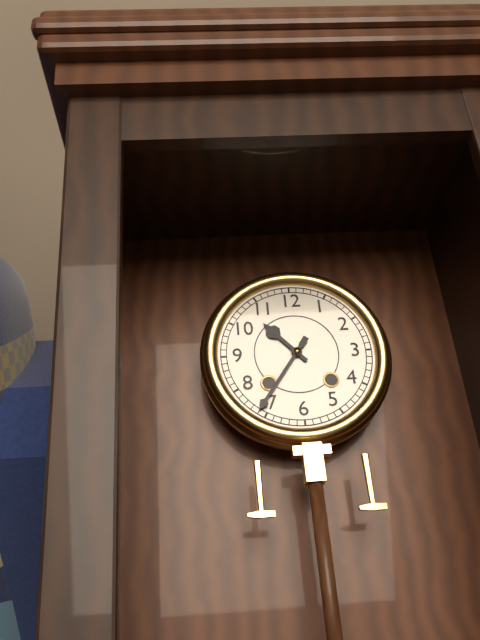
10 h 36 min
